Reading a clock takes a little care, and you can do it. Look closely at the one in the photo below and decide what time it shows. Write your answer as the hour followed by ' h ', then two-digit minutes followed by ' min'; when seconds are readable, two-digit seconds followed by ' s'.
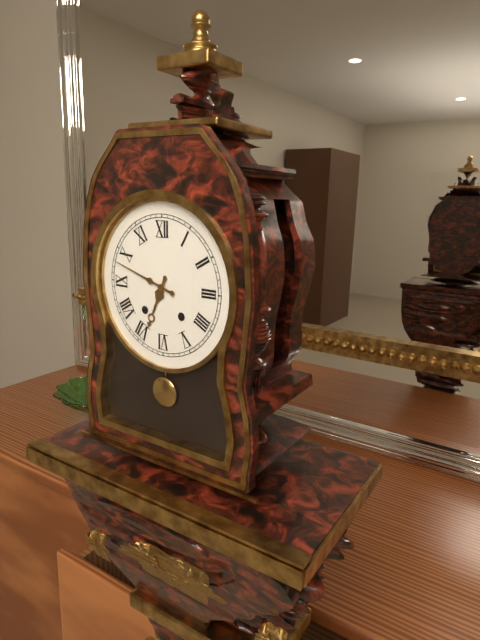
6 h 48 min
